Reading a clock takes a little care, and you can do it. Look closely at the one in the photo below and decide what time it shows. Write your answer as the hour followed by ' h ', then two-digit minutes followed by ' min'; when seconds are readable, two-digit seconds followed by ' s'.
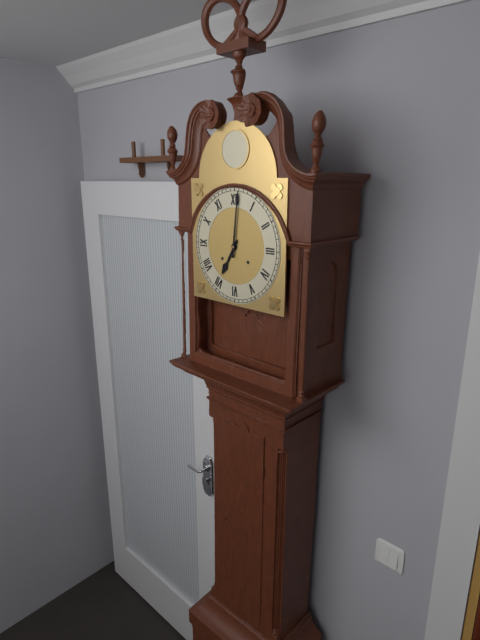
7 h 01 min
